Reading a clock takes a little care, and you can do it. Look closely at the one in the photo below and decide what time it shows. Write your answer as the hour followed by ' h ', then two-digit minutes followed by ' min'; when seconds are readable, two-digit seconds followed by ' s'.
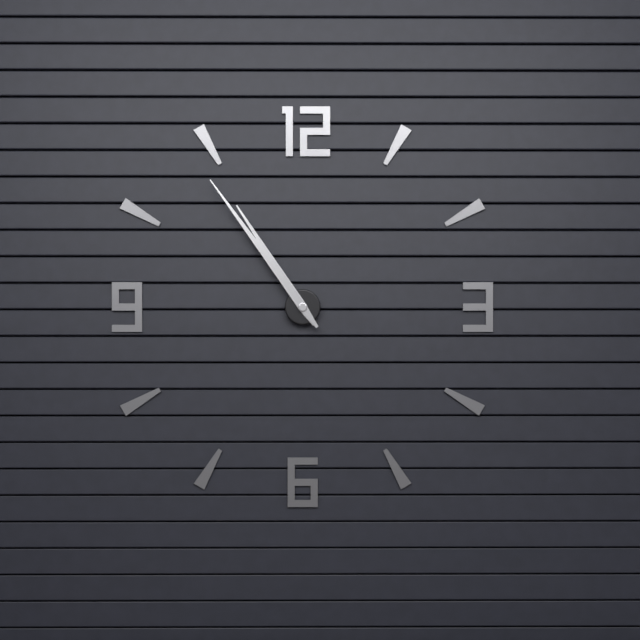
10 h 54 min
